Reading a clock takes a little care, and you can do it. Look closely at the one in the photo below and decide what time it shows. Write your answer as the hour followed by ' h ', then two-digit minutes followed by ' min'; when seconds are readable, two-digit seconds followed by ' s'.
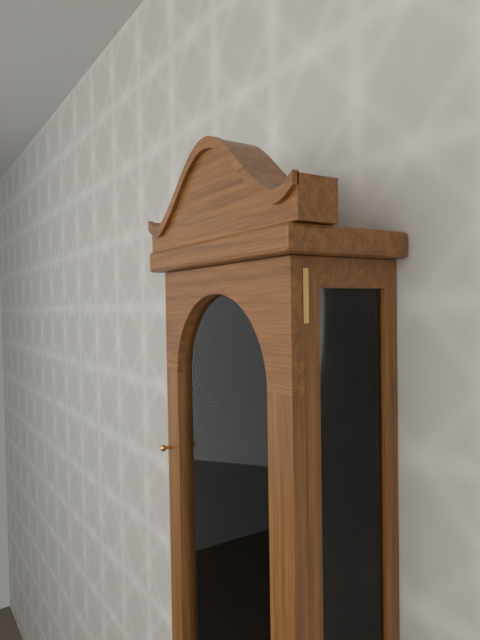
12 h 07 min
